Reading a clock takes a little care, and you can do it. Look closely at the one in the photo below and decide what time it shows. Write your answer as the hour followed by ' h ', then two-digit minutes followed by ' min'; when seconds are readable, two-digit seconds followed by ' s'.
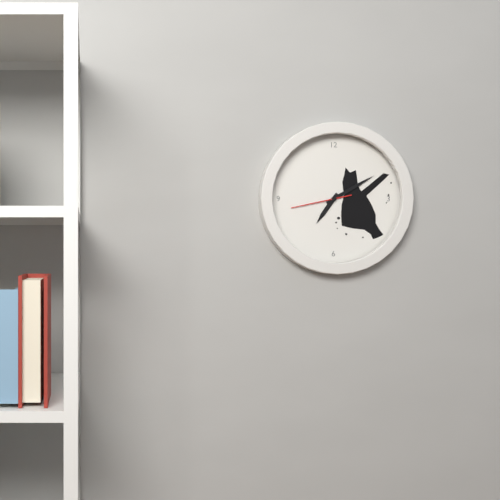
7 h 10 min 43 s
